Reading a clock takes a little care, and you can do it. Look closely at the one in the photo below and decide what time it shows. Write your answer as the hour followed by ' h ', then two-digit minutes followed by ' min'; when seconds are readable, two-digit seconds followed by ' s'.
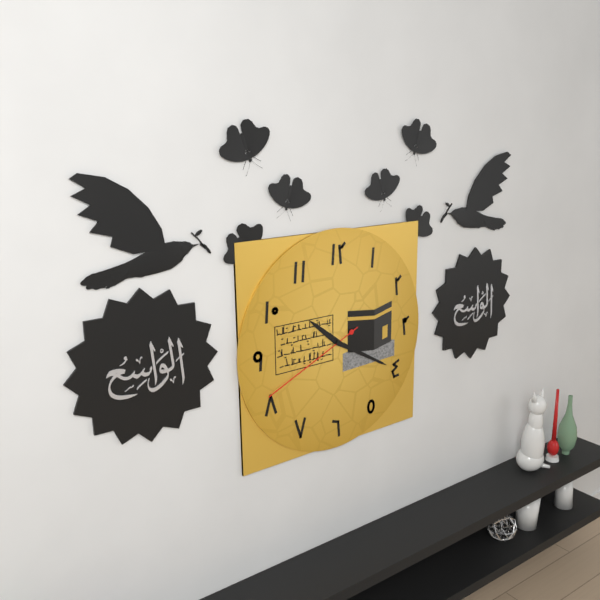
10 h 20 min 41 s
